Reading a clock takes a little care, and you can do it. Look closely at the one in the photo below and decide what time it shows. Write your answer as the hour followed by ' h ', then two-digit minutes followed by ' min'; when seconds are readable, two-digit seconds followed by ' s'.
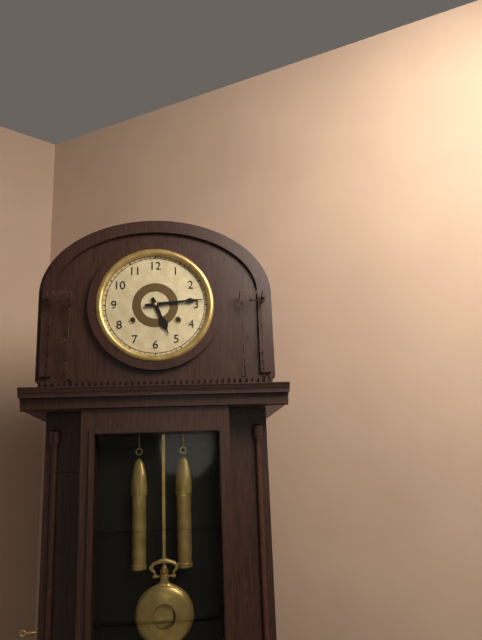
5 h 14 min
